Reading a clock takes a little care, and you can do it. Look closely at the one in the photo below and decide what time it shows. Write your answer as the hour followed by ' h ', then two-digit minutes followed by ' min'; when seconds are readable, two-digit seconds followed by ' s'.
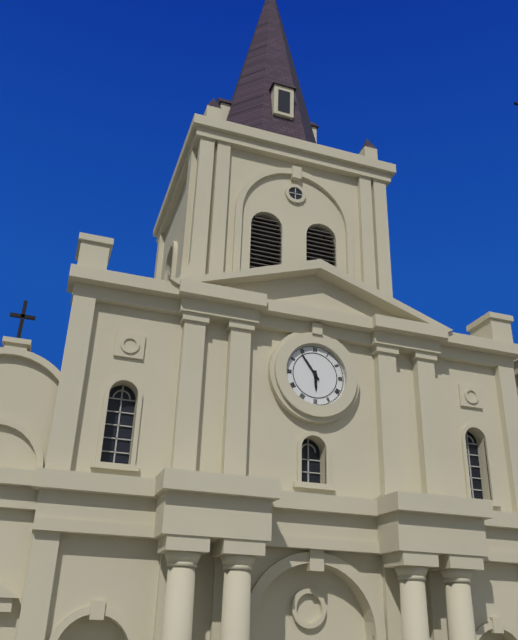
5 h 54 min
